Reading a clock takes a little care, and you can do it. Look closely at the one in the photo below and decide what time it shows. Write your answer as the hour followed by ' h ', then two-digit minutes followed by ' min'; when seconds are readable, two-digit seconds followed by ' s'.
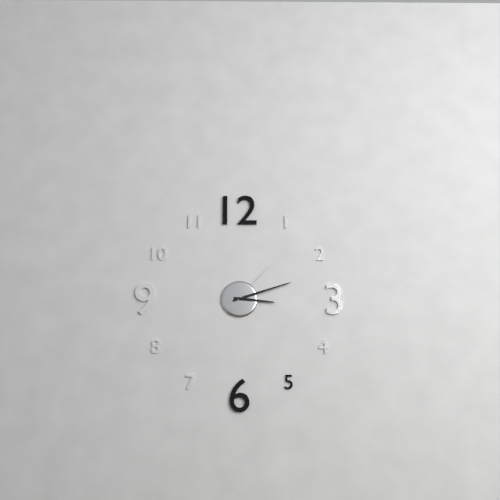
3 h 12 min 07 s
